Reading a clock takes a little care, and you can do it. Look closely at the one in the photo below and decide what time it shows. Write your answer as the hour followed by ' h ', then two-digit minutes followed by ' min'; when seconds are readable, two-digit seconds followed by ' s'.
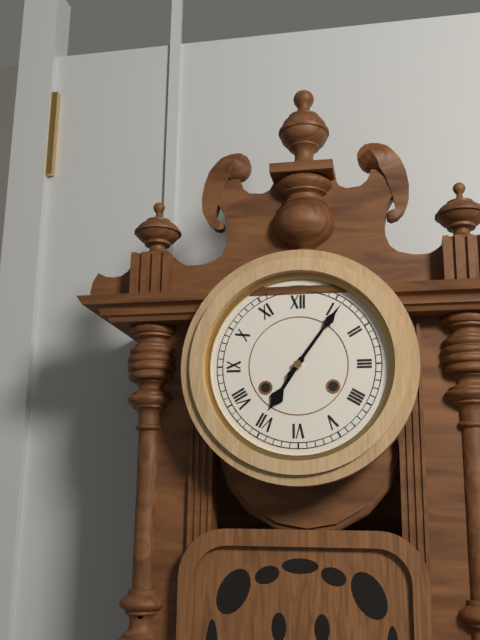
7 h 06 min
